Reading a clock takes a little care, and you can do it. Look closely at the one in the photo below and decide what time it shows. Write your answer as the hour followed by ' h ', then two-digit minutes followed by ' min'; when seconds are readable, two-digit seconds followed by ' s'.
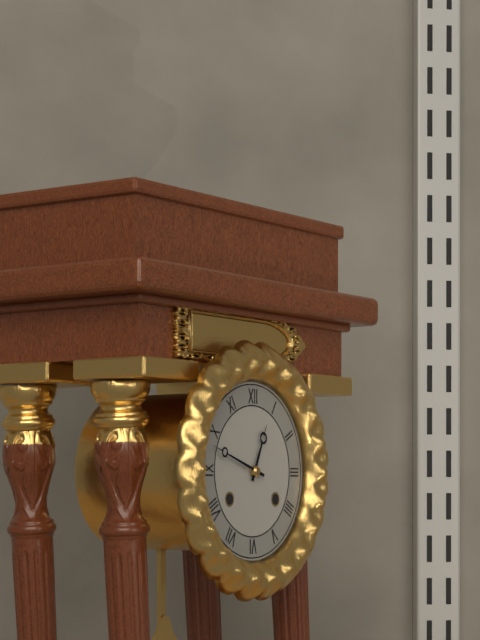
12 h 48 min
